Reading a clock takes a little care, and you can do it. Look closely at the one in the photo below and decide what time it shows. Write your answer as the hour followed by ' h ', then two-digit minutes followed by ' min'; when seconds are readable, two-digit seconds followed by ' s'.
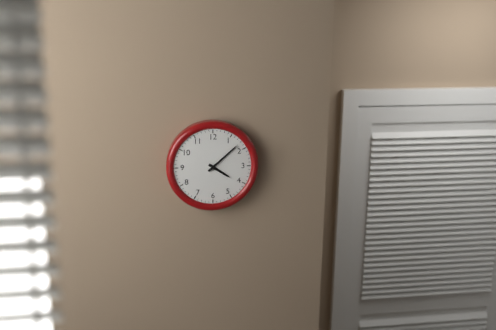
4 h 08 min
